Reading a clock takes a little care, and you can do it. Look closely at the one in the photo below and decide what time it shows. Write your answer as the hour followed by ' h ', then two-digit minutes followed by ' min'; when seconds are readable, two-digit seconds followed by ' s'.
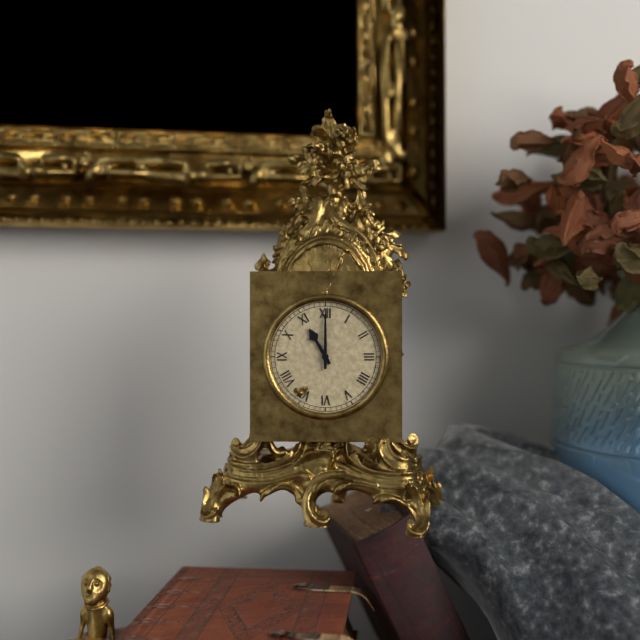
11 h 00 min
